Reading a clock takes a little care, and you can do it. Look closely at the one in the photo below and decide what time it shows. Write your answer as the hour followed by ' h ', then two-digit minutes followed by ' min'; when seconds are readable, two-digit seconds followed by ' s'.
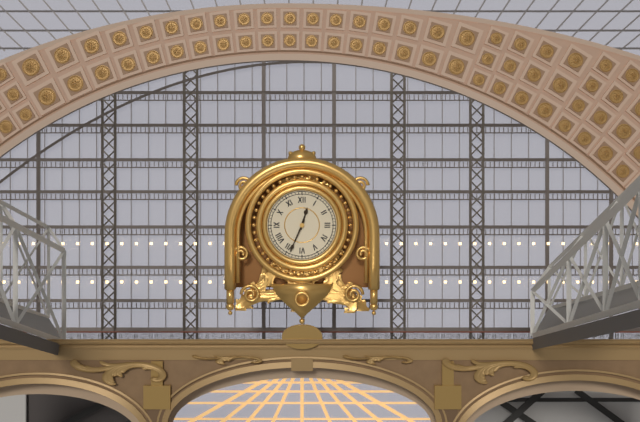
12 h 34 min
